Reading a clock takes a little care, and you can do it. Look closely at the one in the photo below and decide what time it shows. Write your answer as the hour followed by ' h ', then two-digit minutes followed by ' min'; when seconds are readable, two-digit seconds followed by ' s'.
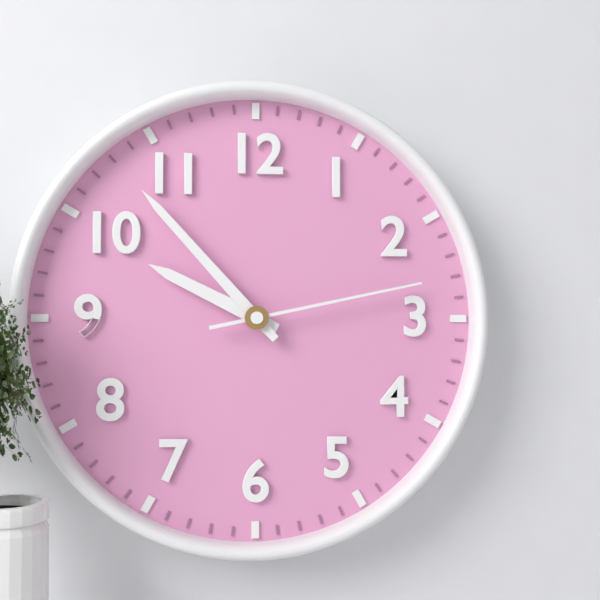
9 h 53 min 13 s
